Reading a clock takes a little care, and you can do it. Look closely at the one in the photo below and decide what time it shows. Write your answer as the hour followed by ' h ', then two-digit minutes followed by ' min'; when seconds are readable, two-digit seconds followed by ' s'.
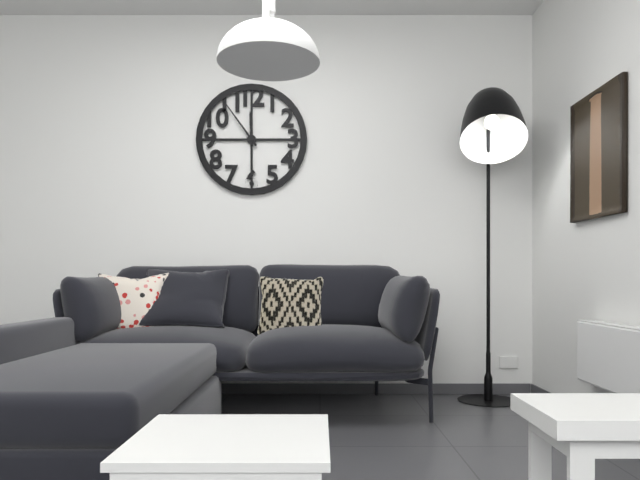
11 h 54 min
